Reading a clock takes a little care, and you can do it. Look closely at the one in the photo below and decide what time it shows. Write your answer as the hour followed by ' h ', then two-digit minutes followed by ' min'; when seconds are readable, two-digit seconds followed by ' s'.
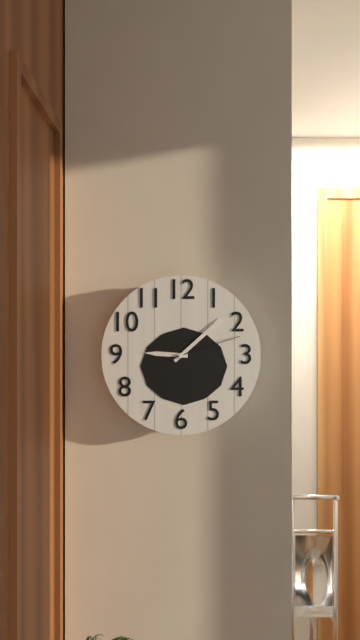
9 h 08 min 12 s
